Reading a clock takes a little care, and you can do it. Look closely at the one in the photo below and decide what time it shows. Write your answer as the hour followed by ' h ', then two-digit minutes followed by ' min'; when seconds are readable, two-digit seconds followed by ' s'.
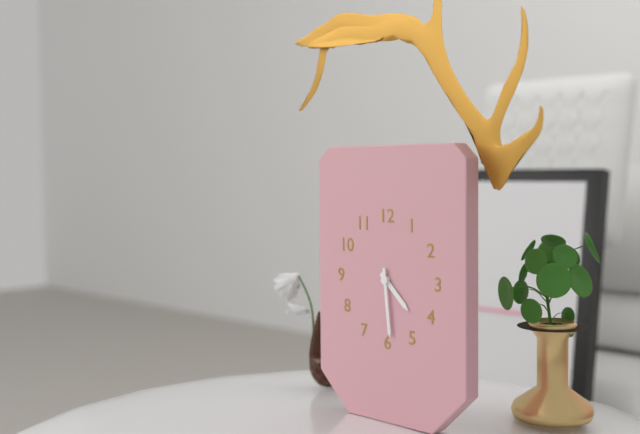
4 h 29 min
